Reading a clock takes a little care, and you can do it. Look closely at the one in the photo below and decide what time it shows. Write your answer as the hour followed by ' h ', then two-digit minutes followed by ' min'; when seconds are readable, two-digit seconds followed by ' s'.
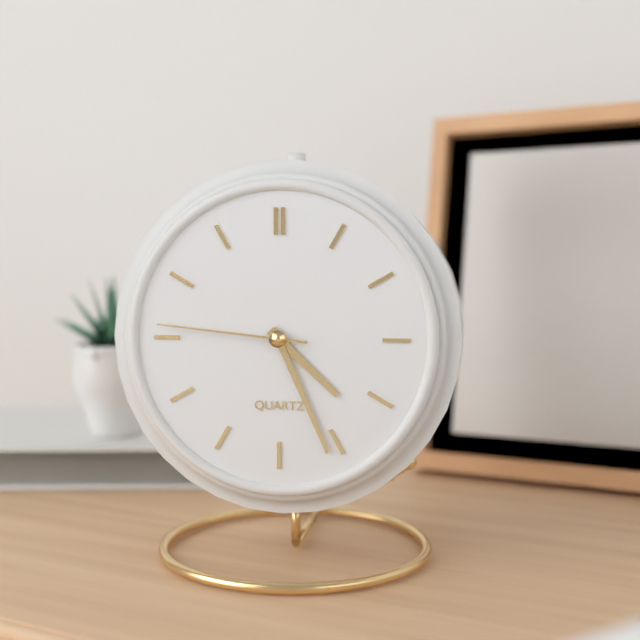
4 h 26 min 46 s
